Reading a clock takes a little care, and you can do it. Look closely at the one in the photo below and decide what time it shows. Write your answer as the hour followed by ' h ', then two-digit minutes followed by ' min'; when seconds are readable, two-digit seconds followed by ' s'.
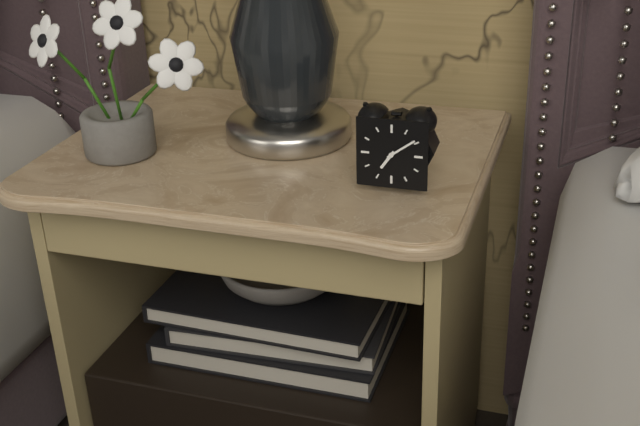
7 h 09 min
